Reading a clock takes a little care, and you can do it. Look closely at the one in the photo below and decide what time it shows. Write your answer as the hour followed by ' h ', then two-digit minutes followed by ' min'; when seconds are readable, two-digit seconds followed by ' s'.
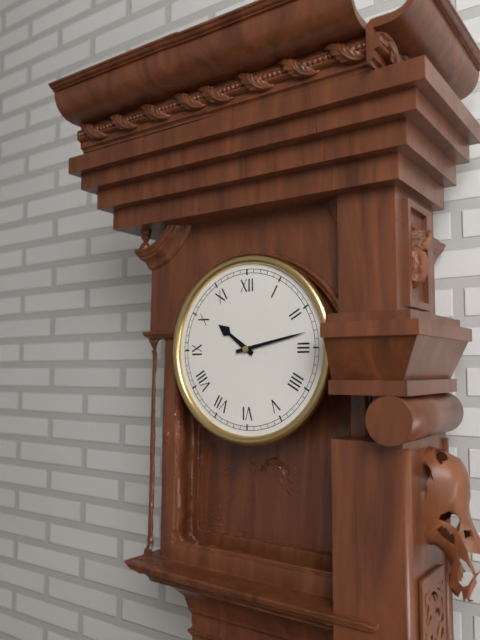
10 h 13 min
